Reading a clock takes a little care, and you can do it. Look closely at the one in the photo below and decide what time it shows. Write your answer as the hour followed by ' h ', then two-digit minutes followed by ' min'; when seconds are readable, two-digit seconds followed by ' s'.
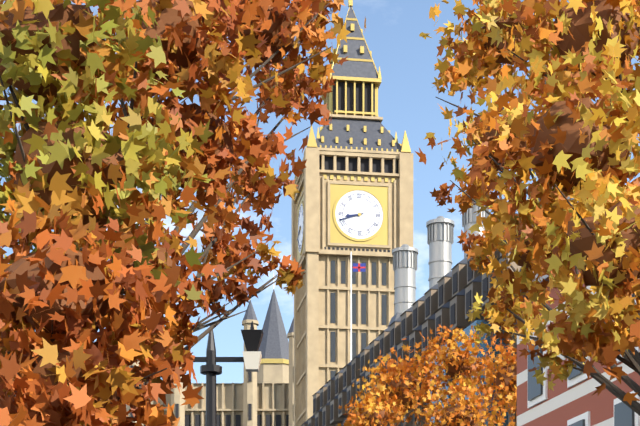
8 h 42 min
